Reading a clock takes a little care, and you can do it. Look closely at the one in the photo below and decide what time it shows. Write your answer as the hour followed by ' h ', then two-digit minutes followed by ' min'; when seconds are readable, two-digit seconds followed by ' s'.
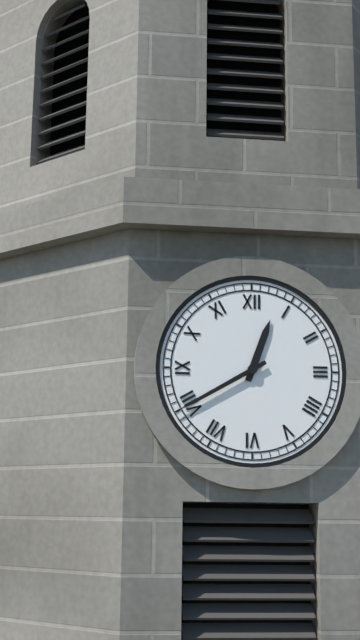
12 h 40 min
